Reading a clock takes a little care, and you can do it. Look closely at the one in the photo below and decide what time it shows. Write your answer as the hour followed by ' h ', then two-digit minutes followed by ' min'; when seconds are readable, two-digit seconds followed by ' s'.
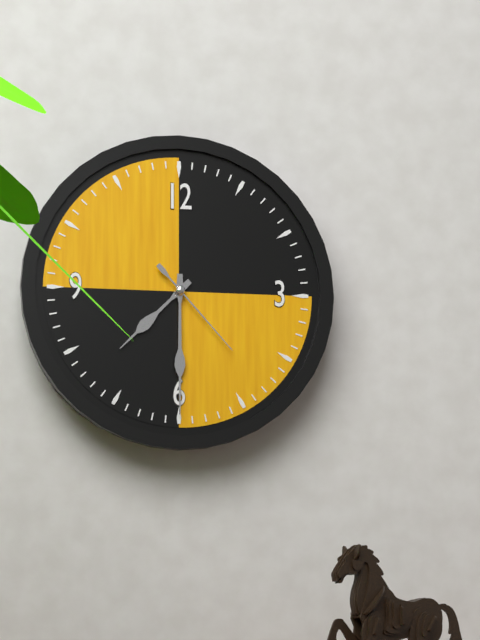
7 h 30 min 23 s
